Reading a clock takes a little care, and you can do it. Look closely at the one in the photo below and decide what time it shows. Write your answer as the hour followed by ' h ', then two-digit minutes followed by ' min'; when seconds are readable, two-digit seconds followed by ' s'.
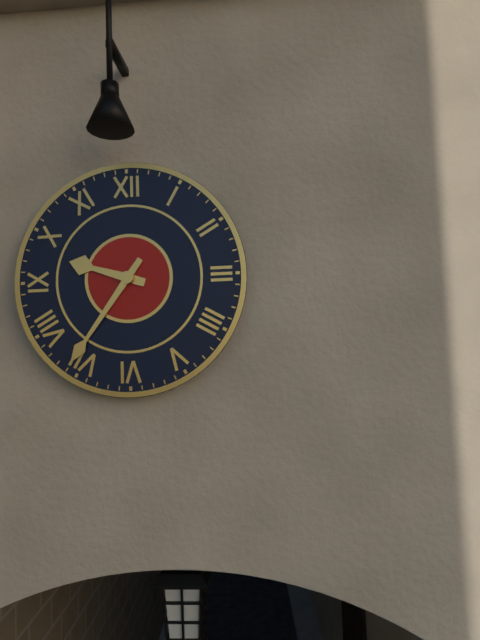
9 h 36 min
